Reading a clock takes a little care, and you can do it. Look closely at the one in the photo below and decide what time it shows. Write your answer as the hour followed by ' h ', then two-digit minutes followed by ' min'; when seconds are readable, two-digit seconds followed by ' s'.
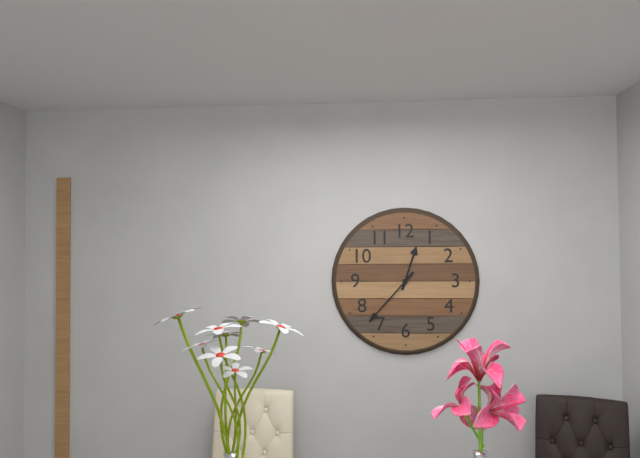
12 h 37 min
